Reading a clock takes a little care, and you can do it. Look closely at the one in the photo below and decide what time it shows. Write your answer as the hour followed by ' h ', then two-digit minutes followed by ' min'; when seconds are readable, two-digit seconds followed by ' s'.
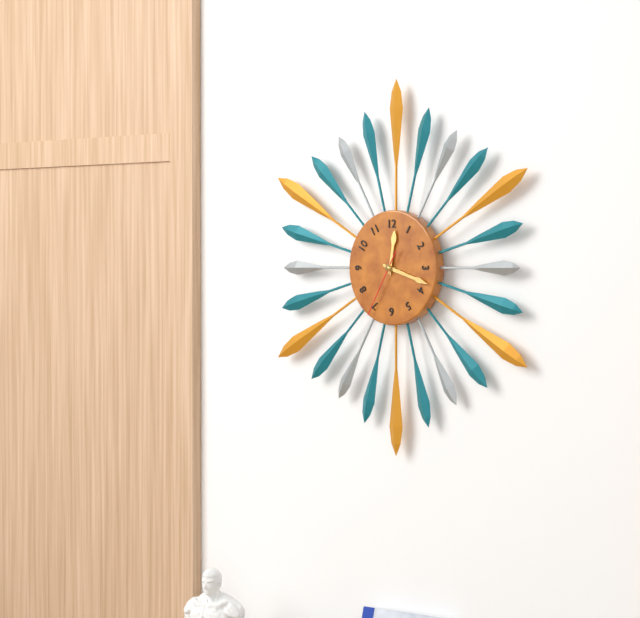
12 h 18 min 35 s
